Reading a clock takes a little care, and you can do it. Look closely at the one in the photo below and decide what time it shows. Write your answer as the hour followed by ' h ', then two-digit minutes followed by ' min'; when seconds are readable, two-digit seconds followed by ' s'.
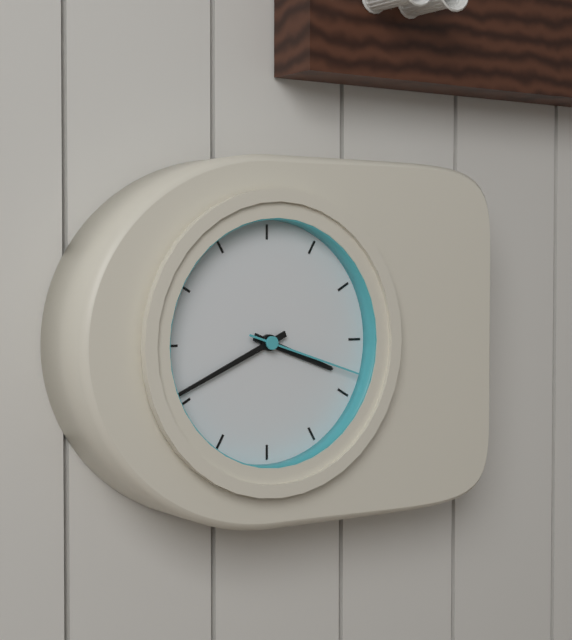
3 h 41 min 18 s
